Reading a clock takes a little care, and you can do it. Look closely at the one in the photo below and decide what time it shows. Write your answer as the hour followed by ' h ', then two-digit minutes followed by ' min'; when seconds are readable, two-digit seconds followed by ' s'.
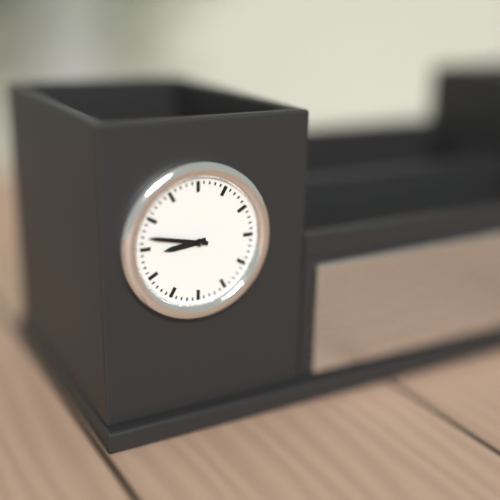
8 h 47 min
